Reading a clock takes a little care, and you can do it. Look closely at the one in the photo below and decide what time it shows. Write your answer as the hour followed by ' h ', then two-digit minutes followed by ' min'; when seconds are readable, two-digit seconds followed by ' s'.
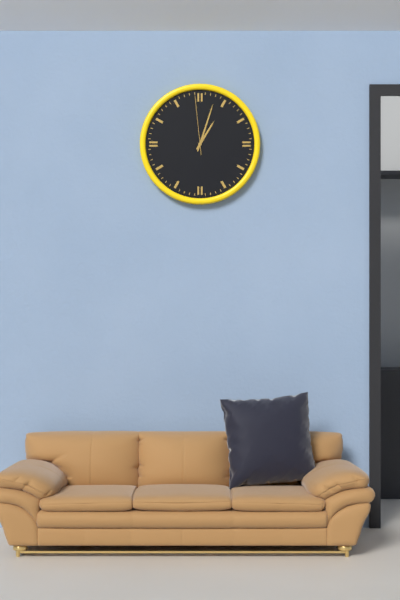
1 h 03 min 59 s
